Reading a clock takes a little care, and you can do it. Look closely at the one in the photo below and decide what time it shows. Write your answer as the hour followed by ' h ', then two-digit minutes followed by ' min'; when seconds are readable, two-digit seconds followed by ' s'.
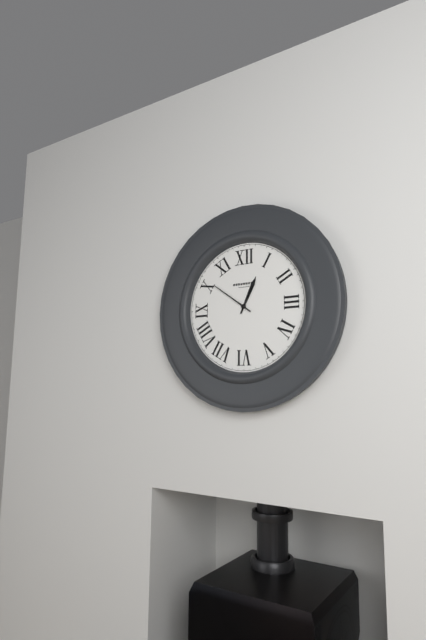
12 h 51 min
